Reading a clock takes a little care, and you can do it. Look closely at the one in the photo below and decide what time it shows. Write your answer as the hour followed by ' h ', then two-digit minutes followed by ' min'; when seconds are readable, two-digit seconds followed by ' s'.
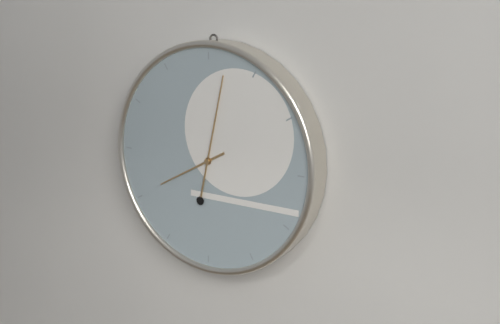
8 h 02 min
